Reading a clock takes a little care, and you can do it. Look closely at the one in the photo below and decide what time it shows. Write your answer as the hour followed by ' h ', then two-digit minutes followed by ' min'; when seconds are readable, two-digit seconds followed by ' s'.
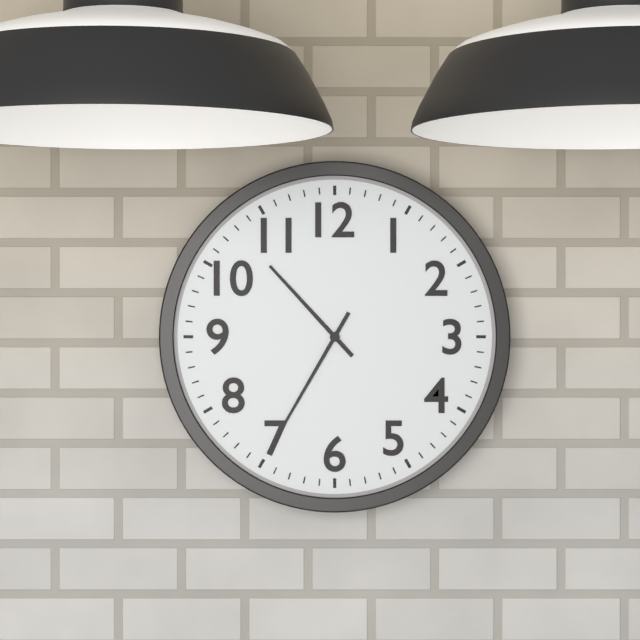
10 h 35 min
